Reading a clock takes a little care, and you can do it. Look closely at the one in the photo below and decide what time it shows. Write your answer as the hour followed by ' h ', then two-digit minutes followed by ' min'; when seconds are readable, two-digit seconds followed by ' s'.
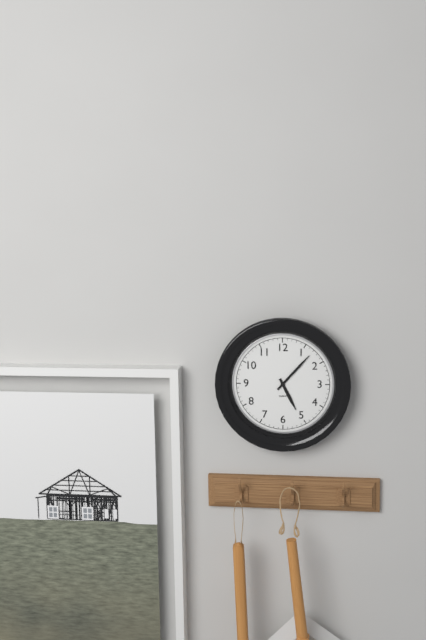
5 h 07 min
